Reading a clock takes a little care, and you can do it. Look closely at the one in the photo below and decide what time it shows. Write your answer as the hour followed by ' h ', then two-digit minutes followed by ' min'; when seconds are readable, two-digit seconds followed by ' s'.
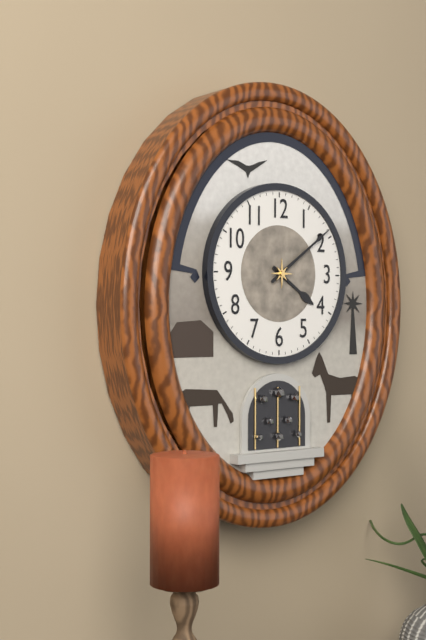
4 h 09 min
